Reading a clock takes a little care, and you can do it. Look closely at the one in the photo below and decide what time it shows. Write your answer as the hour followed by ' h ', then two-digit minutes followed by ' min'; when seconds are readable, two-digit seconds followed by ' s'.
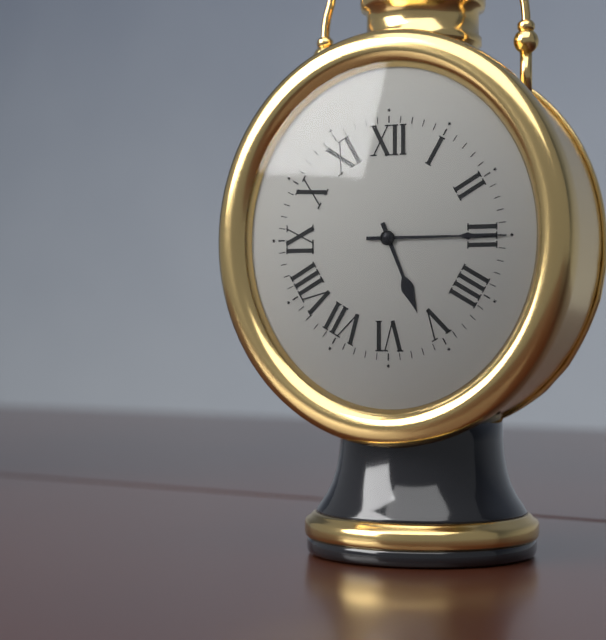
5 h 15 min
